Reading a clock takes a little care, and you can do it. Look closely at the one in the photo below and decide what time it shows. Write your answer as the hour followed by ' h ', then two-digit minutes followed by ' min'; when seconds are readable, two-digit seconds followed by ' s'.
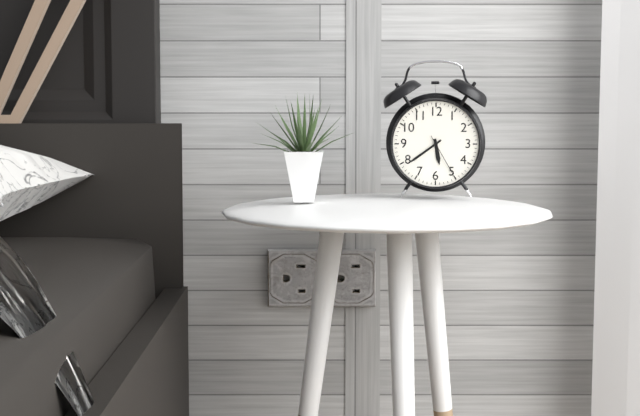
5 h 39 min
